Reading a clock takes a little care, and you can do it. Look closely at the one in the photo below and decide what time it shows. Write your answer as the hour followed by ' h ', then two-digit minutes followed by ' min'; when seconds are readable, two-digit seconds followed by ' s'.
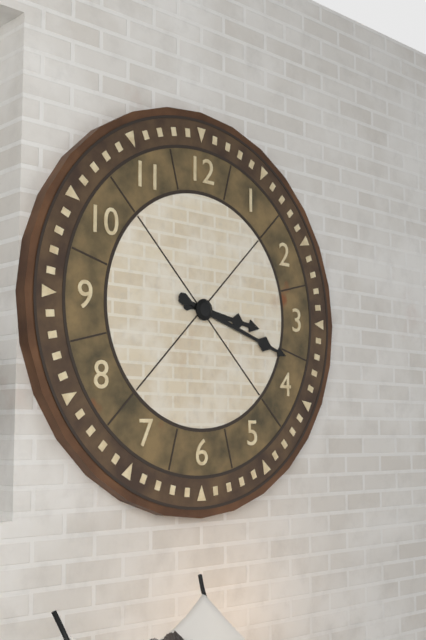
3 h 18 min
